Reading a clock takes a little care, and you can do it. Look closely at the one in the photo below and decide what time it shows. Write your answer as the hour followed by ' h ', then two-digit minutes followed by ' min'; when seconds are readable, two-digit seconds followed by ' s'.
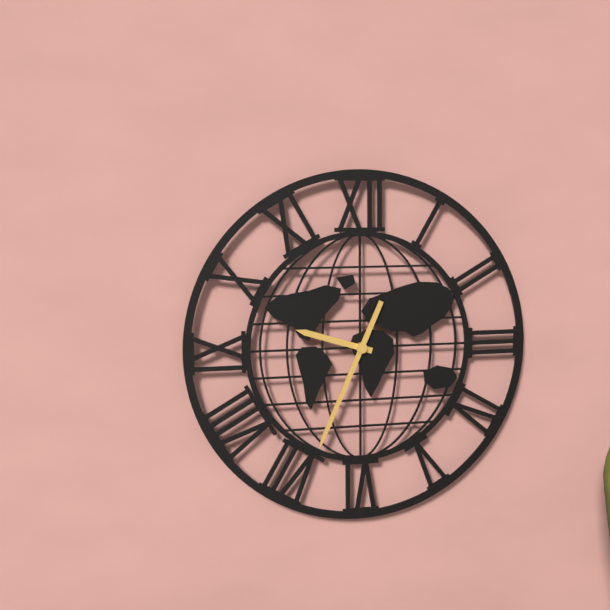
9 h 34 min
